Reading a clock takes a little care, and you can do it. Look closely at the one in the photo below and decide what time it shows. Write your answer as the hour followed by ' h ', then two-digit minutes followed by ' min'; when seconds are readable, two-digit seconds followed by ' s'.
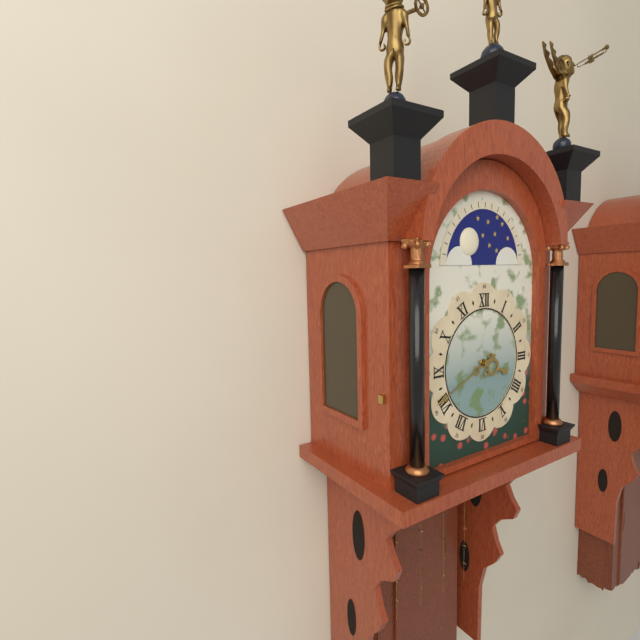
3 h 41 min
